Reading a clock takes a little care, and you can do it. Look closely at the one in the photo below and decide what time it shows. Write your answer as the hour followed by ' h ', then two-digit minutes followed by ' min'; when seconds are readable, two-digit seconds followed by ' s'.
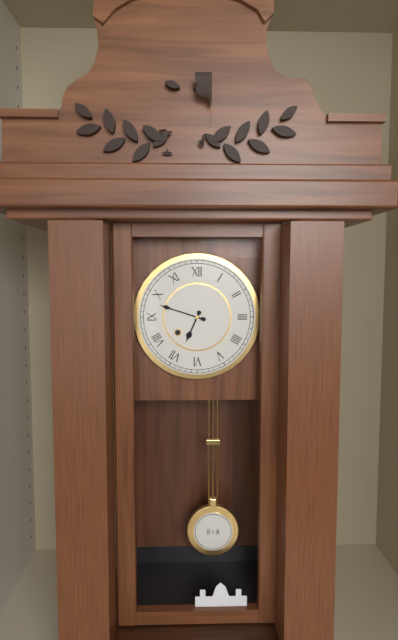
6 h 48 min
